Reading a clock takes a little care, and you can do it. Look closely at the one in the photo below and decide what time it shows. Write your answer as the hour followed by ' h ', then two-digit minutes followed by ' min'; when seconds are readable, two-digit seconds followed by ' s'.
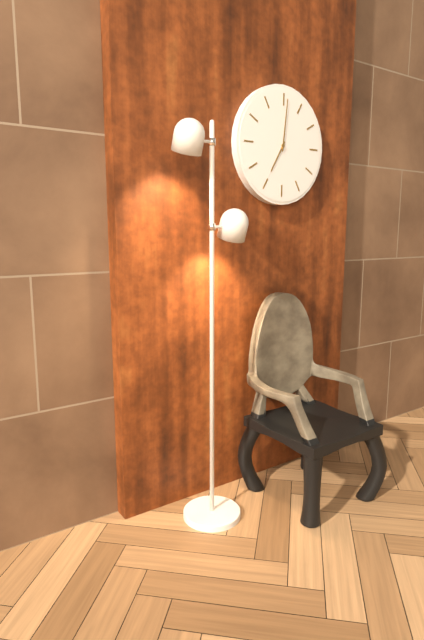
7 h 01 min
